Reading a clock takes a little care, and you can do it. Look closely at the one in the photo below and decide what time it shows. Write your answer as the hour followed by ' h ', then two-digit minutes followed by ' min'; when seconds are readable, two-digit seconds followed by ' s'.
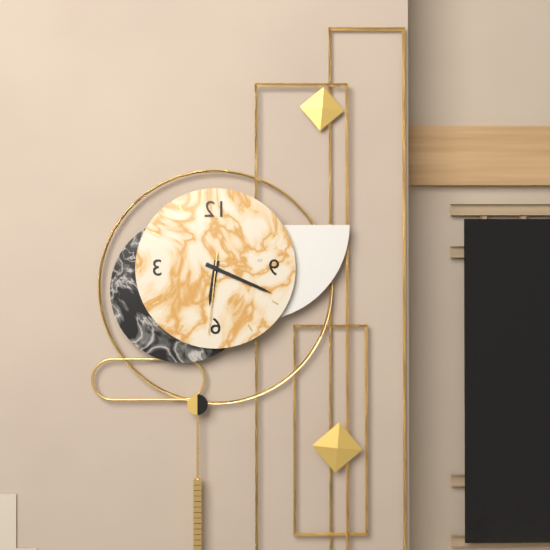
6 h 19 min 31 s
